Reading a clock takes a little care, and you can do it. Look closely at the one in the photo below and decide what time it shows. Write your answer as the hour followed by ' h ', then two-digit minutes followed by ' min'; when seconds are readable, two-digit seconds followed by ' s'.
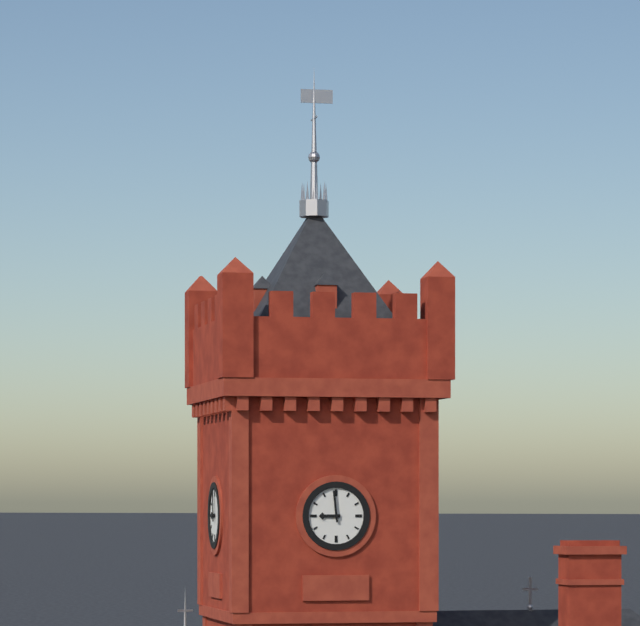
8 h 59 min
